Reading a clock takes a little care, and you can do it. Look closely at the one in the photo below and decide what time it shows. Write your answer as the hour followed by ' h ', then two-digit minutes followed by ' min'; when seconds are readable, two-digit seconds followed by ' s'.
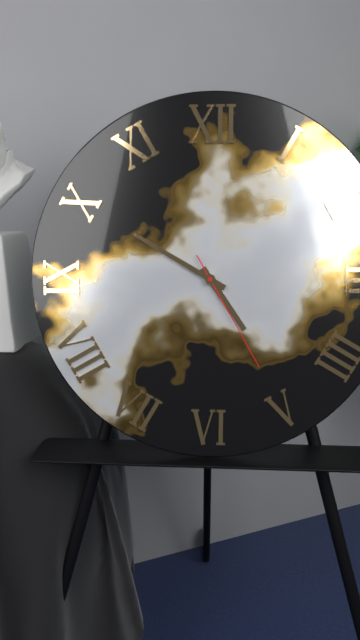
4 h 50 min 25 s
